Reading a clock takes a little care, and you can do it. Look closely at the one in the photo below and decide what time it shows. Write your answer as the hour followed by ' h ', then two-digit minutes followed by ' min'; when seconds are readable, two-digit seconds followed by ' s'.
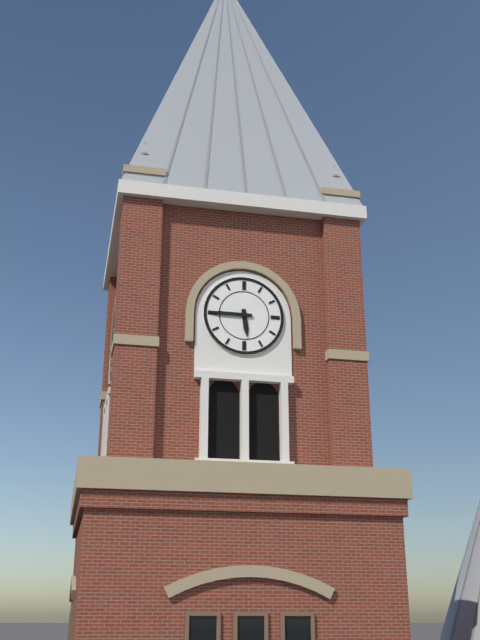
5 h 45 min
